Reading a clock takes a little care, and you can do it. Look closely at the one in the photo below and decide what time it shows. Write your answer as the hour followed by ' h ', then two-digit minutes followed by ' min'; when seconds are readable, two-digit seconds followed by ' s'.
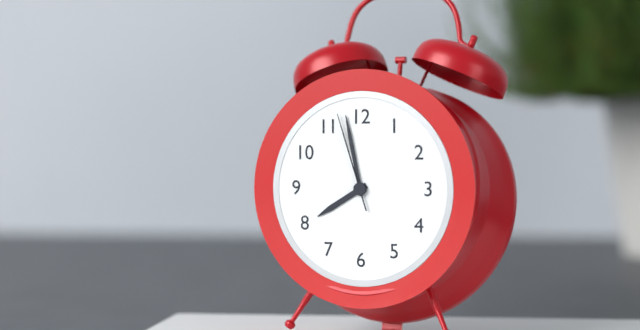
7 h 58 min 57 s
